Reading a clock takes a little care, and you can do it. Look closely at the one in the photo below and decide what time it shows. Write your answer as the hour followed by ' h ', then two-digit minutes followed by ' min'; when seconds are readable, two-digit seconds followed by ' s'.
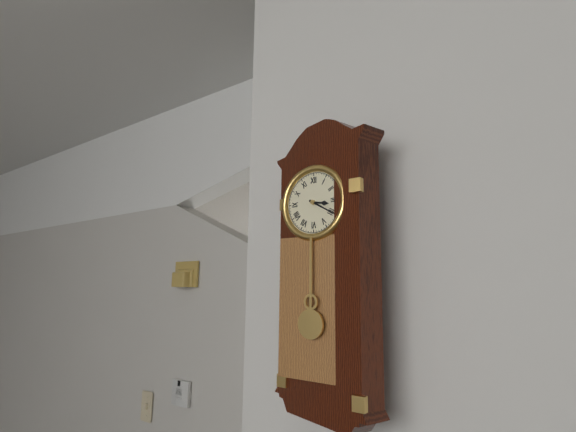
3 h 20 min
